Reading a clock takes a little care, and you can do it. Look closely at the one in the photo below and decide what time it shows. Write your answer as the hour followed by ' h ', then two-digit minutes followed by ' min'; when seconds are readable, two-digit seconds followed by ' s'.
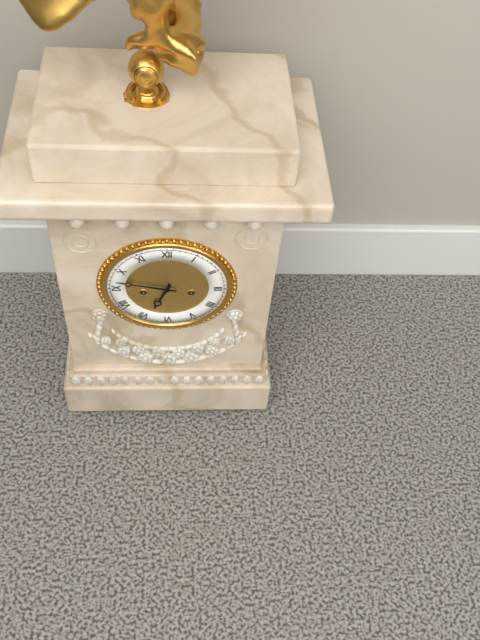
6 h 47 min
